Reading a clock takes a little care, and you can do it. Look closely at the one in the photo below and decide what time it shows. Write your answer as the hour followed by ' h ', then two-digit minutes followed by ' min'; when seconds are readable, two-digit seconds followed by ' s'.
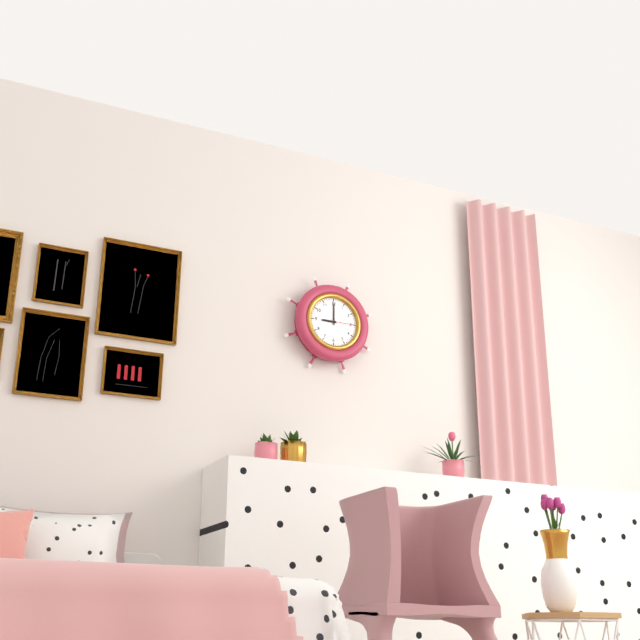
9 h 00 min
